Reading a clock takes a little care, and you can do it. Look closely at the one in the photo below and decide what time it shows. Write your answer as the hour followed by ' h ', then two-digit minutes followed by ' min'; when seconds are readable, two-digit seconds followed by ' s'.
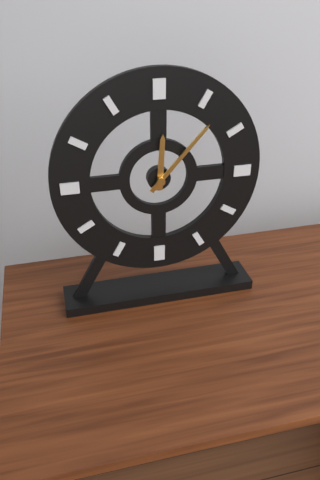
12 h 07 min
